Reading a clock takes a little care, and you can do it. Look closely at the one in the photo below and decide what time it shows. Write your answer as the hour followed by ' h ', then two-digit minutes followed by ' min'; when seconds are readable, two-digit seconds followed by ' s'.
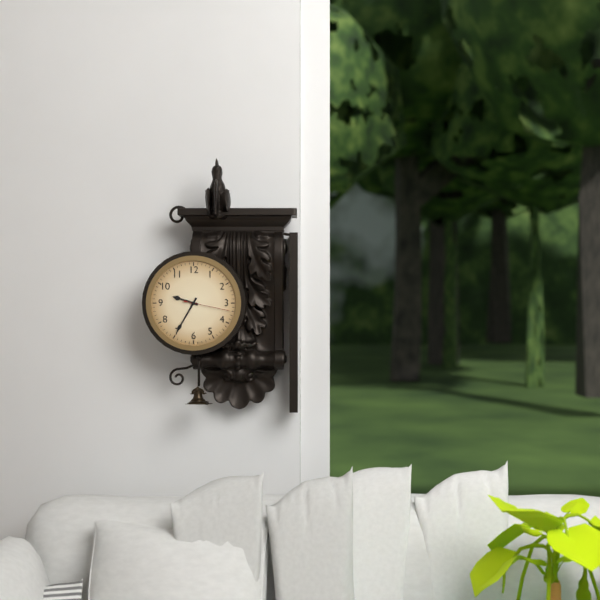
9 h 35 min
